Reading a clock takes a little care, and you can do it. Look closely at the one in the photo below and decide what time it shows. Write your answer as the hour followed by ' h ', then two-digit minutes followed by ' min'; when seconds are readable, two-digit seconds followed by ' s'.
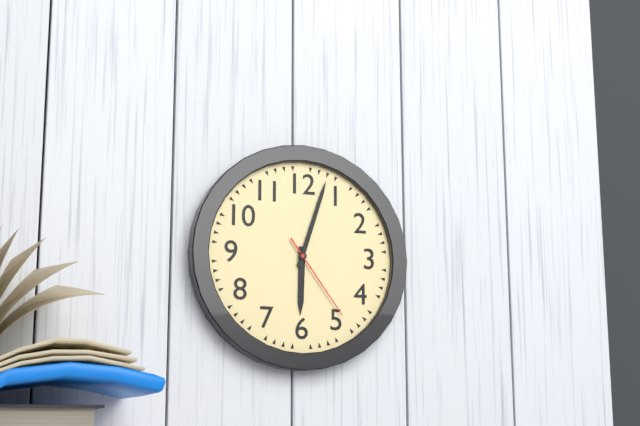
6 h 03 min 24 s
